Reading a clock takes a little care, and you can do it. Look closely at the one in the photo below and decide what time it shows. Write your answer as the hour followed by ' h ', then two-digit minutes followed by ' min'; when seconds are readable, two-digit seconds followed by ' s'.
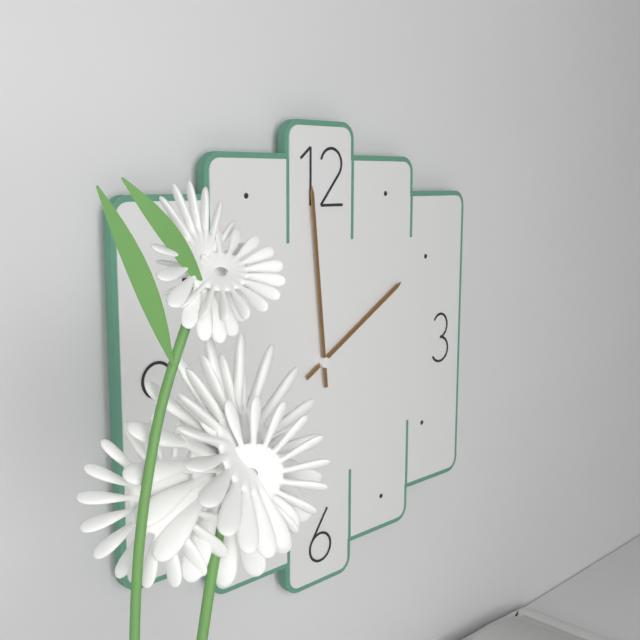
1 h 59 min
